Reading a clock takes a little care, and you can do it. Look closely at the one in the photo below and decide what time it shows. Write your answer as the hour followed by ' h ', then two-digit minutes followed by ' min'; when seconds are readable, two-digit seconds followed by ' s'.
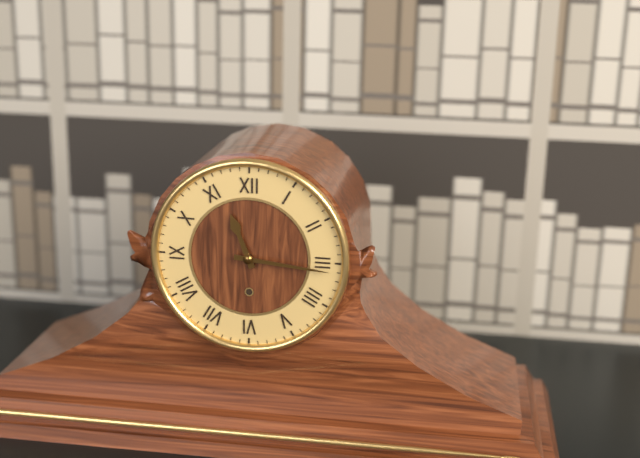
11 h 16 min
